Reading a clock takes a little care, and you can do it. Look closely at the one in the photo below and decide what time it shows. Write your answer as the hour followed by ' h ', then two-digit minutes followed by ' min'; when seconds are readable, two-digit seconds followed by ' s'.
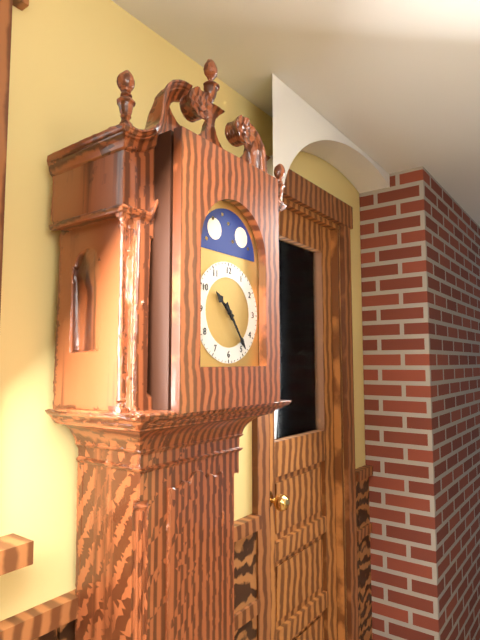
10 h 24 min
